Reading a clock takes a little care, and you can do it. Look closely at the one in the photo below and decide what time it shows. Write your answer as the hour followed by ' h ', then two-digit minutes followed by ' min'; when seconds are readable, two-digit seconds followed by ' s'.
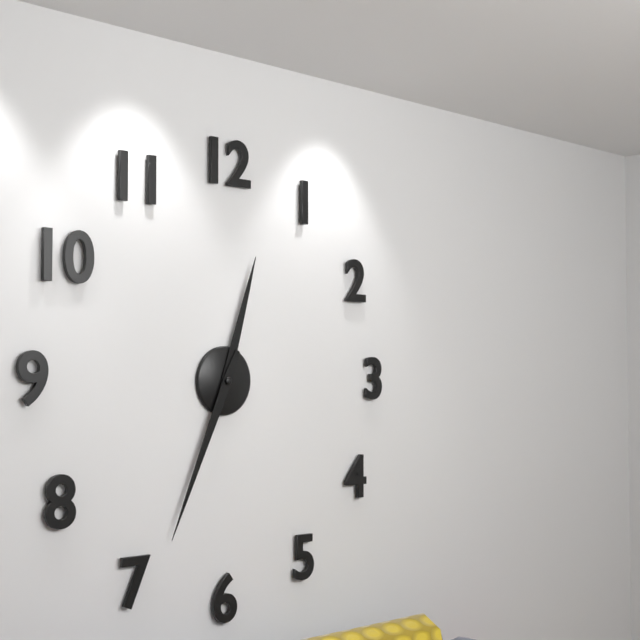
12 h 34 min
